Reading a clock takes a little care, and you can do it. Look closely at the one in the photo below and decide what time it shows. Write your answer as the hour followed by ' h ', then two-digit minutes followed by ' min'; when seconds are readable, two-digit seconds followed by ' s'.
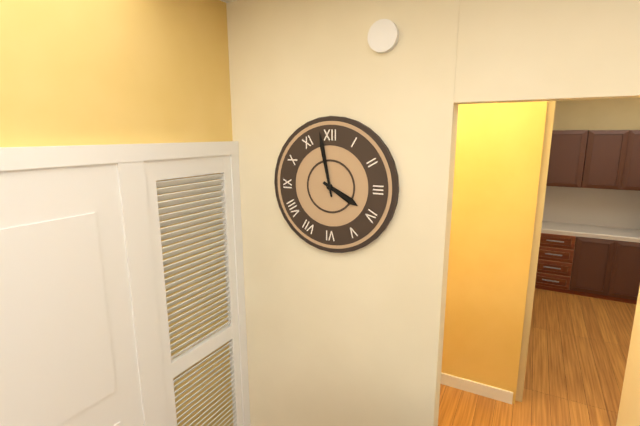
3 h 58 min
